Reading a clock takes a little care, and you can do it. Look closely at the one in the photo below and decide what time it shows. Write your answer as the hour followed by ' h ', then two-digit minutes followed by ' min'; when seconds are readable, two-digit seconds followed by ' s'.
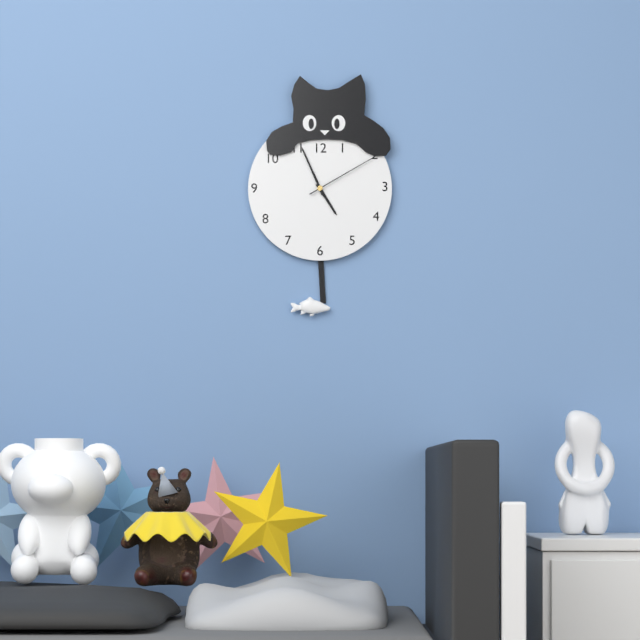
4 h 56 min 10 s
